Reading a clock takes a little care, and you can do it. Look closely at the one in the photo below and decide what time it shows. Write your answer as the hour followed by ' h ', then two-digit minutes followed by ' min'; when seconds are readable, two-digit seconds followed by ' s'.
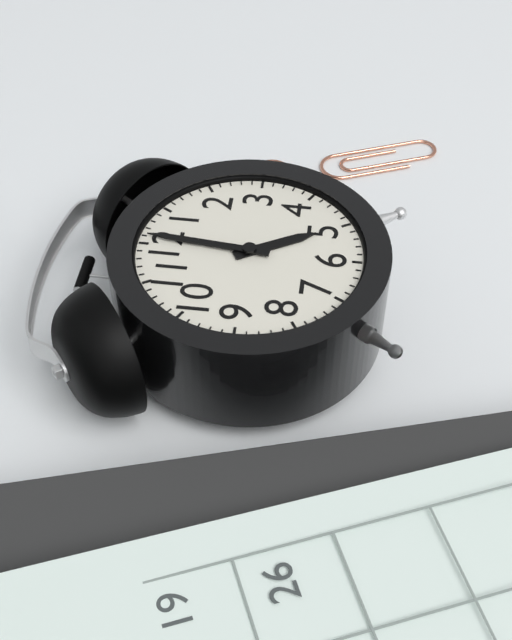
5 h 01 min
